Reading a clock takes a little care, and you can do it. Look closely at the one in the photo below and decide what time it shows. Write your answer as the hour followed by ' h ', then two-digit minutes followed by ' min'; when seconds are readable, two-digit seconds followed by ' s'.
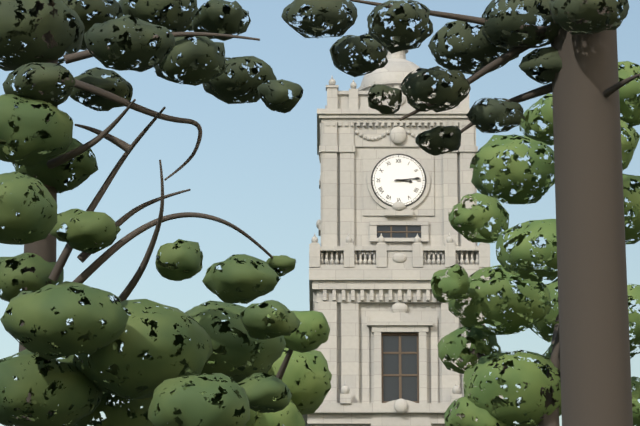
3 h 14 min
